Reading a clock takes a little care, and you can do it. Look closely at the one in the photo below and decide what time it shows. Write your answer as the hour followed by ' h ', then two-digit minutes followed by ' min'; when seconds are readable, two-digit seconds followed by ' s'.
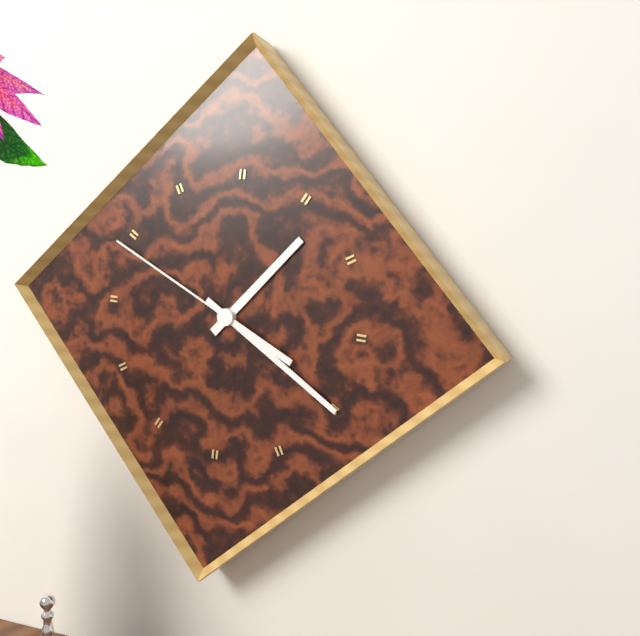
1 h 20 min 49 s
